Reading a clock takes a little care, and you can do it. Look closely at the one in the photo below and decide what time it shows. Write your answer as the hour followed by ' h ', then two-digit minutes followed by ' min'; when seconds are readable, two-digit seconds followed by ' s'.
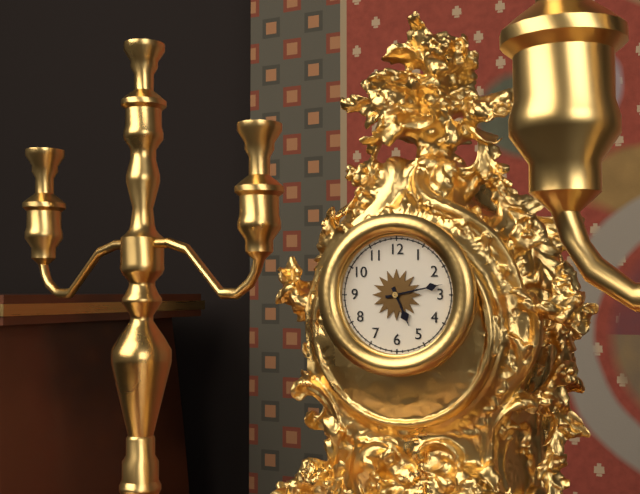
5 h 13 min
